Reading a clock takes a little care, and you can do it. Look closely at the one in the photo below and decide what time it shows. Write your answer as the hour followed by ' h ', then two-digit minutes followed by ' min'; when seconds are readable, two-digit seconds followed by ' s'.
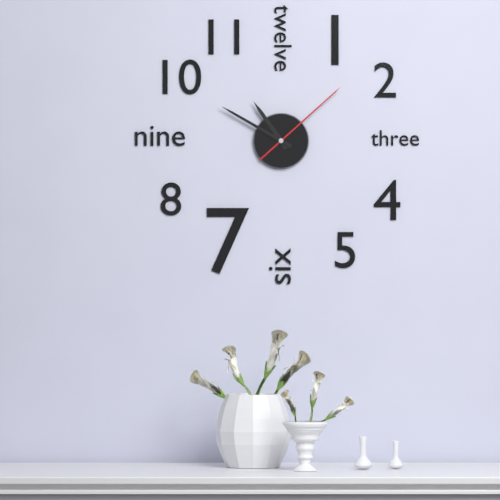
10 h 50 min 08 s
